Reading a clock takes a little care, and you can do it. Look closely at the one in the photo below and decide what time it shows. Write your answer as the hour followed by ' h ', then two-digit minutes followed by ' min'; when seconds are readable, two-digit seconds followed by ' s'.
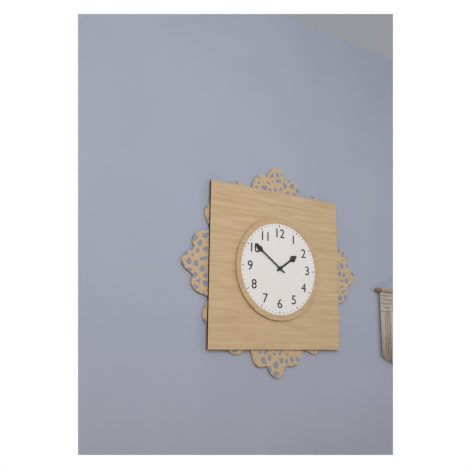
1 h 51 min
